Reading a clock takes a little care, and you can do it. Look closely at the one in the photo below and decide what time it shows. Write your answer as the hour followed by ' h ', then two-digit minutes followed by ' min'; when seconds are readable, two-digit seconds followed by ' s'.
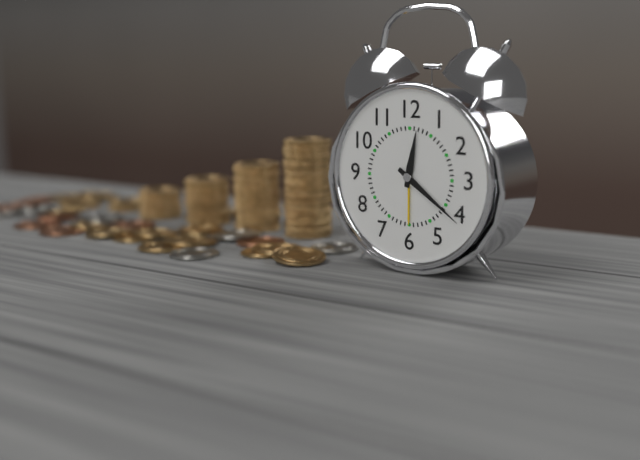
12 h 21 min
